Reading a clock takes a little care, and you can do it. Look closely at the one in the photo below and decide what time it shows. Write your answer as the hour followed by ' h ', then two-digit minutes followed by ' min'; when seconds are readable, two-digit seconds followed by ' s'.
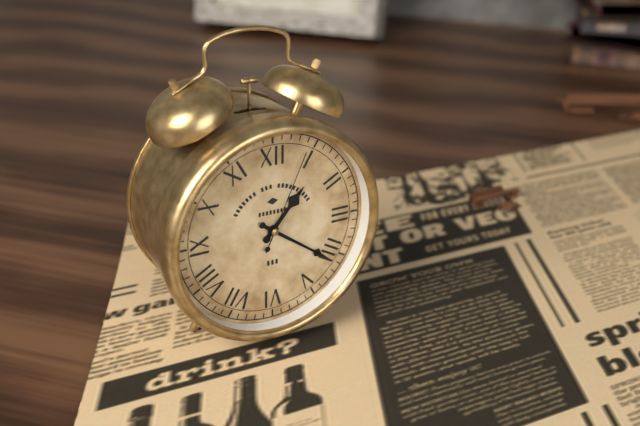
1 h 21 min 04 s
